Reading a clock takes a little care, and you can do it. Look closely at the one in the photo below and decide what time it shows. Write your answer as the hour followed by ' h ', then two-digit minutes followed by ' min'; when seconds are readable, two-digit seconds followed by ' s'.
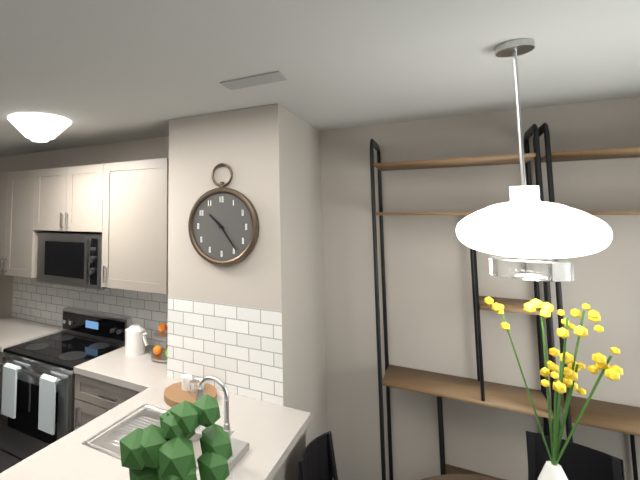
10 h 24 min
